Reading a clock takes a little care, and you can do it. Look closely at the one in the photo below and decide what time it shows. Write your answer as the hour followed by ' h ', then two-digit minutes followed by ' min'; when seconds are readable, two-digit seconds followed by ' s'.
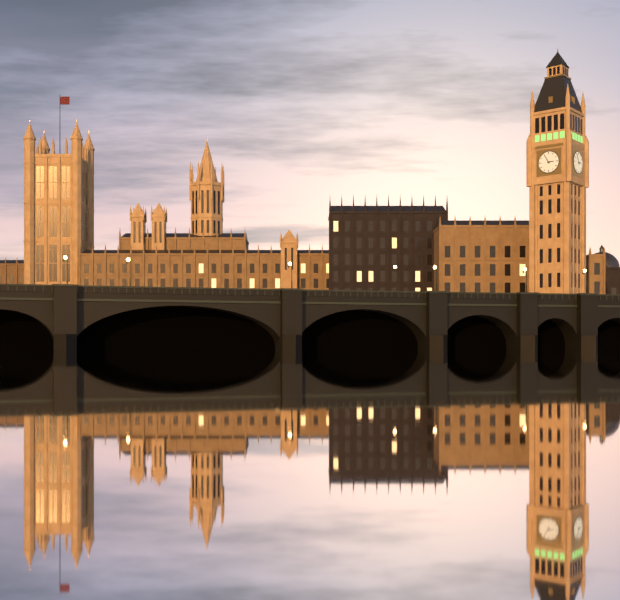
2 h 55 min
